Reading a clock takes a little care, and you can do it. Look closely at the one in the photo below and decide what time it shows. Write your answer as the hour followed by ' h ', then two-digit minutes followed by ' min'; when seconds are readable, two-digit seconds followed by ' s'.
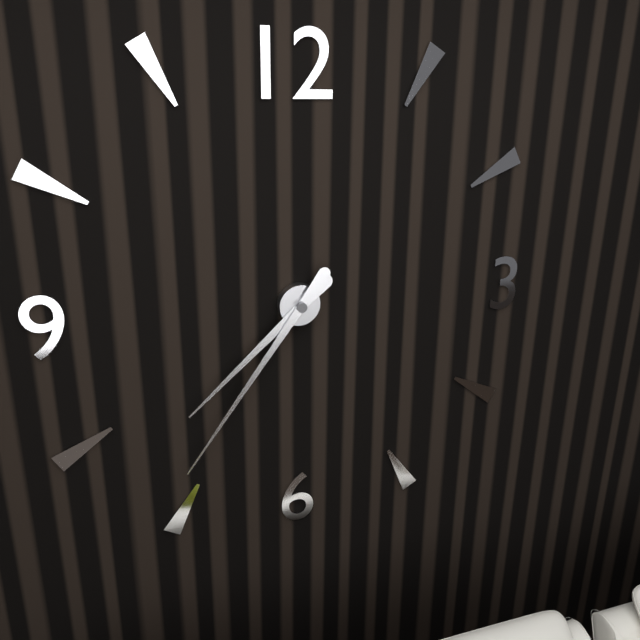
7 h 36 min
